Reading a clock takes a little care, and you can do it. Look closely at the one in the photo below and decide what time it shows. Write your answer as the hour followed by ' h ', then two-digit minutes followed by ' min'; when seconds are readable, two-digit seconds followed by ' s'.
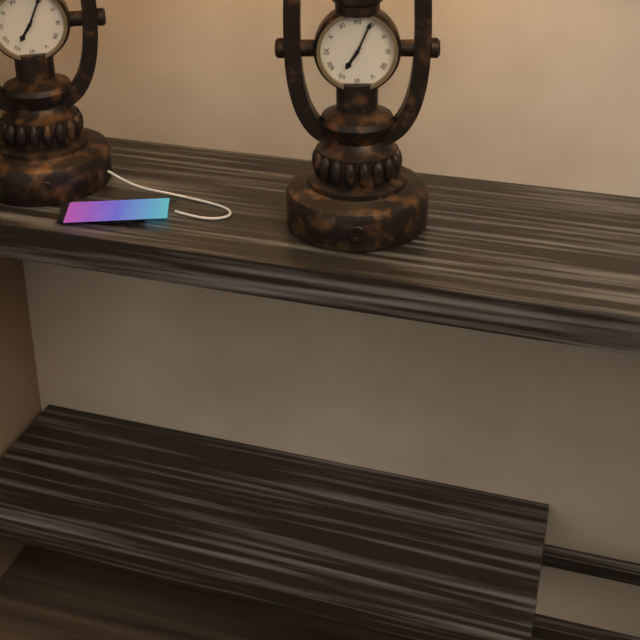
7 h 04 min
